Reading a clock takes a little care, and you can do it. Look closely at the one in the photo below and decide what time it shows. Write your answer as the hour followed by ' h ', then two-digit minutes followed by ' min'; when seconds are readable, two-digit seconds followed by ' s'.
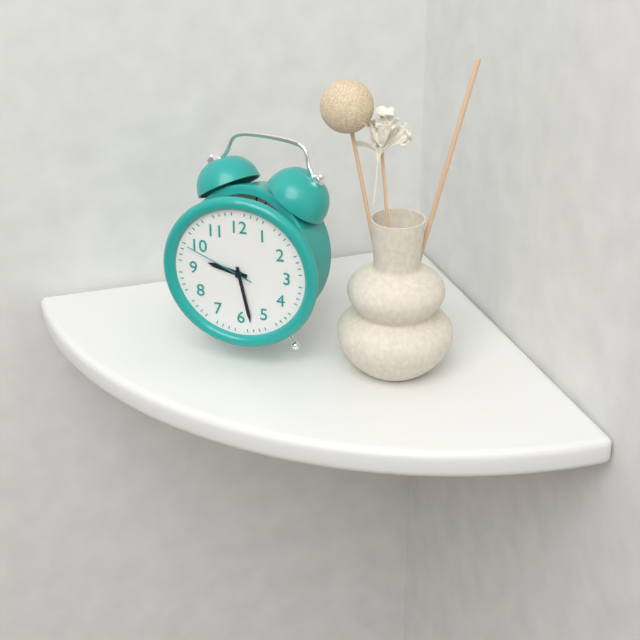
9 h 28 min 49 s
